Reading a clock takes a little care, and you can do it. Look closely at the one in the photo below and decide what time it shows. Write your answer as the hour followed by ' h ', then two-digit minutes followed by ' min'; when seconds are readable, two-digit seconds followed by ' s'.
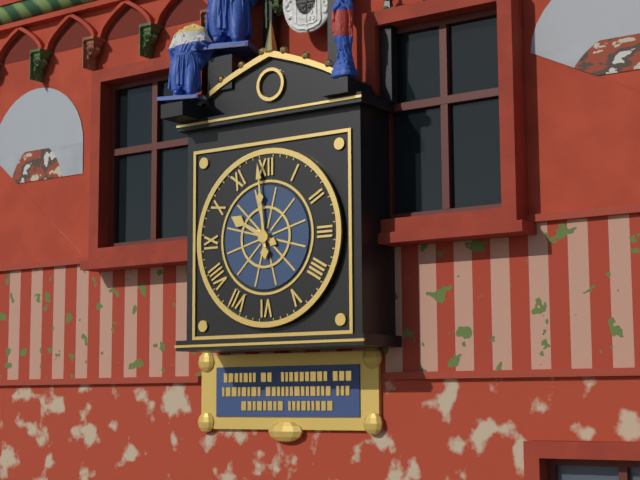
9 h 59 min
